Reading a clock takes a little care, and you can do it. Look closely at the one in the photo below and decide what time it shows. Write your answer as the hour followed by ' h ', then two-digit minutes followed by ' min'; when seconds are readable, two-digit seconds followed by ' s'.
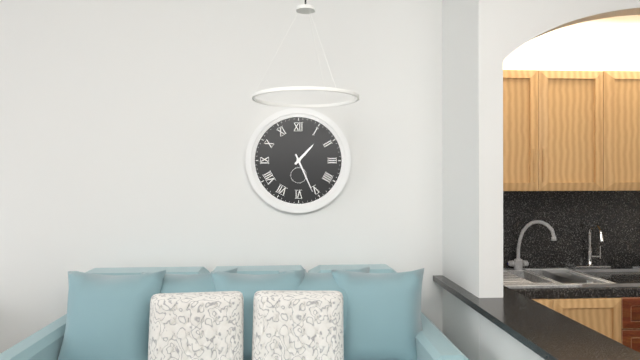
1 h 26 min
